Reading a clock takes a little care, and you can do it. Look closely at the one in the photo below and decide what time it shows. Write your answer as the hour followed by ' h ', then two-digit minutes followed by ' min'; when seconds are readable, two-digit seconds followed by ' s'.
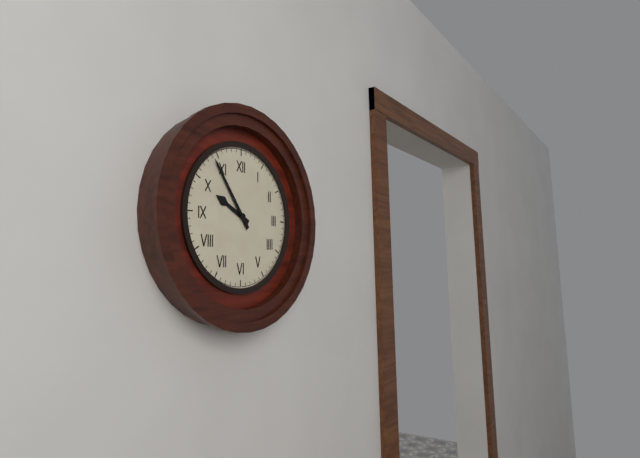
9 h 54 min
